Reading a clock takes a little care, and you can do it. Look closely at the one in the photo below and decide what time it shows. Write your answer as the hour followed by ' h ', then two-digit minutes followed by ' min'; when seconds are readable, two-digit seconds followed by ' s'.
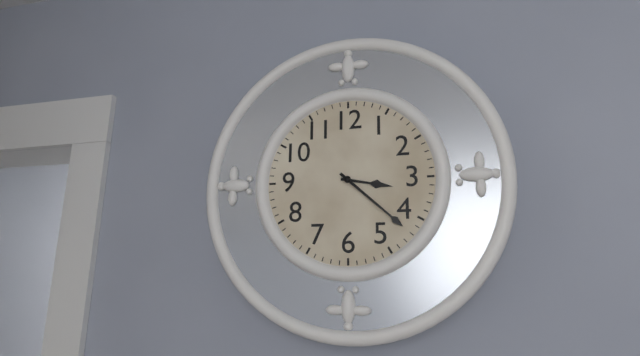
3 h 22 min
